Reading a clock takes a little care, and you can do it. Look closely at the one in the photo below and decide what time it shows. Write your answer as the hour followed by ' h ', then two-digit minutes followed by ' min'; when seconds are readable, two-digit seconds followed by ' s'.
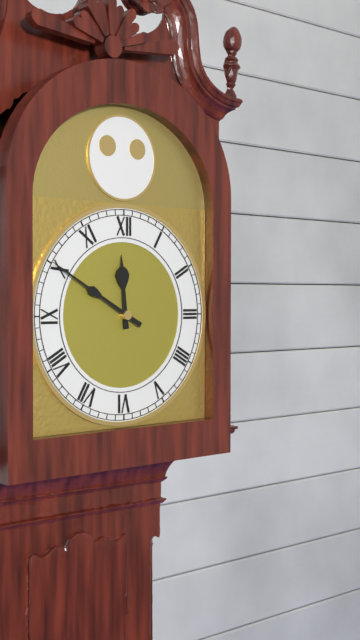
11 h 50 min
